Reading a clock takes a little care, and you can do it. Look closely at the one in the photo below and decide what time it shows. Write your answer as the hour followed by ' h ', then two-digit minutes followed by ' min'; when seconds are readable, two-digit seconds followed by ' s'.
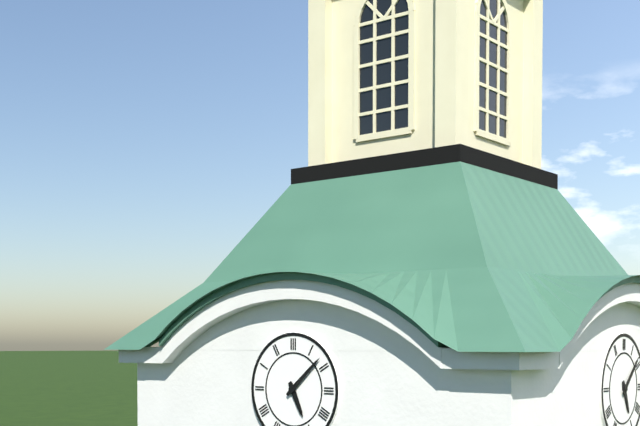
5 h 08 min
